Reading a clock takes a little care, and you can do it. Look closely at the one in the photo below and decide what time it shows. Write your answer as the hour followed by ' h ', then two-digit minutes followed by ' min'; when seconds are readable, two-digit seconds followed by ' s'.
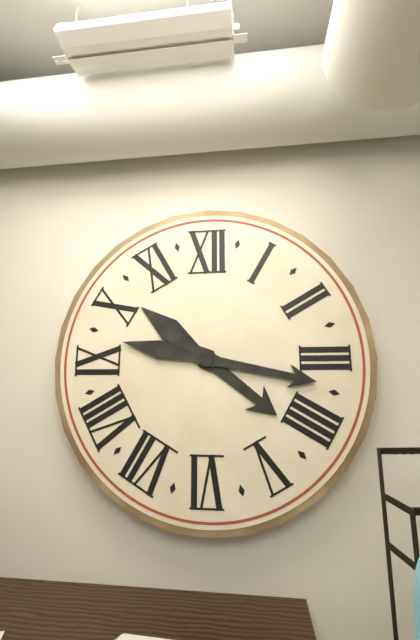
4 h 17 min
